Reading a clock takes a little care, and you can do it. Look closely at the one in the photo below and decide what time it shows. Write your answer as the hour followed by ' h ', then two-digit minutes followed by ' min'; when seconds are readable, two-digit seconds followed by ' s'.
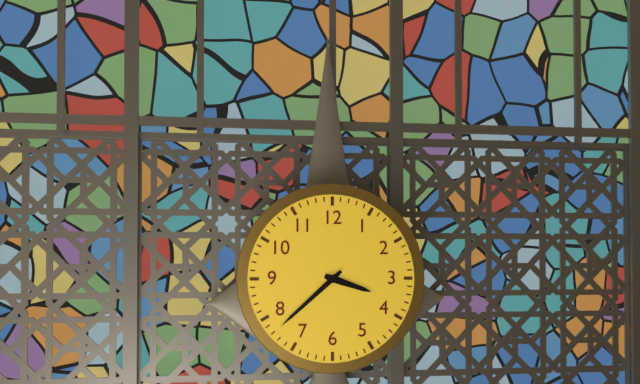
3 h 38 min
